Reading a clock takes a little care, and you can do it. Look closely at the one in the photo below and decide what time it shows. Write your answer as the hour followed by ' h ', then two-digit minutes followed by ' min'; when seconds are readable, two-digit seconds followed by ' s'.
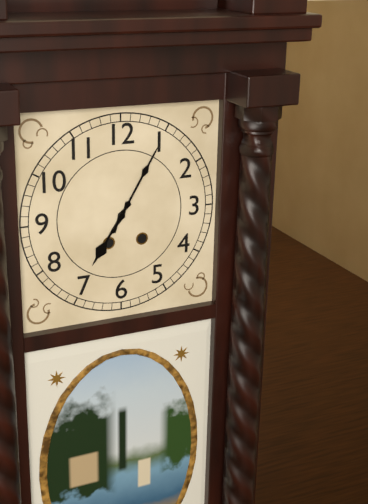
7 h 05 min
